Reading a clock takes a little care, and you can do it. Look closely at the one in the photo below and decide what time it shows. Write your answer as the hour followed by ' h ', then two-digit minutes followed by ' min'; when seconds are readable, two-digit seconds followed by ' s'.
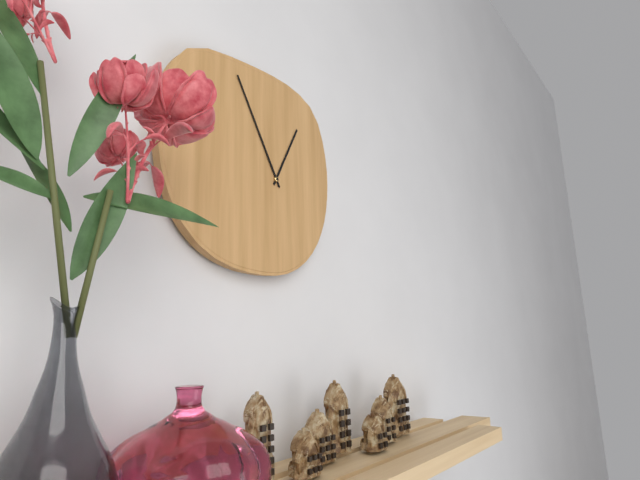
12 h 55 min
